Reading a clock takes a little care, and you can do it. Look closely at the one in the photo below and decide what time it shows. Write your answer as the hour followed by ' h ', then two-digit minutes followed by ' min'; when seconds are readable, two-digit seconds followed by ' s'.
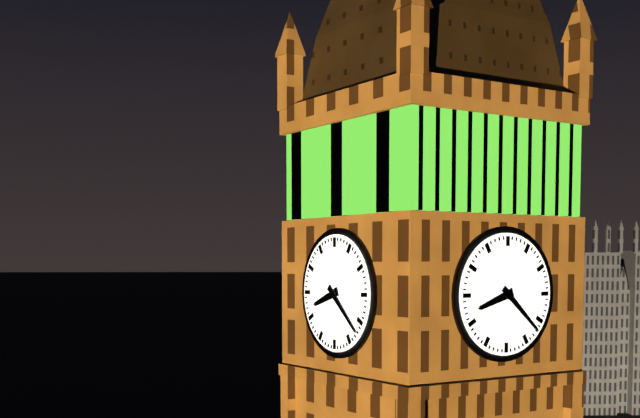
8 h 22 min
